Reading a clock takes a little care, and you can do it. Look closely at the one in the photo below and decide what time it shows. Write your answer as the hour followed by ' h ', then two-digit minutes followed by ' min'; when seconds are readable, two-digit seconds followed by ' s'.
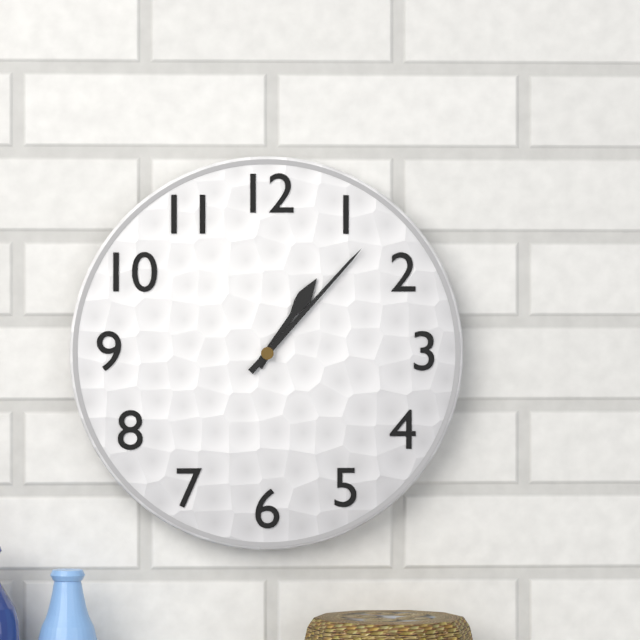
1 h 07 min
